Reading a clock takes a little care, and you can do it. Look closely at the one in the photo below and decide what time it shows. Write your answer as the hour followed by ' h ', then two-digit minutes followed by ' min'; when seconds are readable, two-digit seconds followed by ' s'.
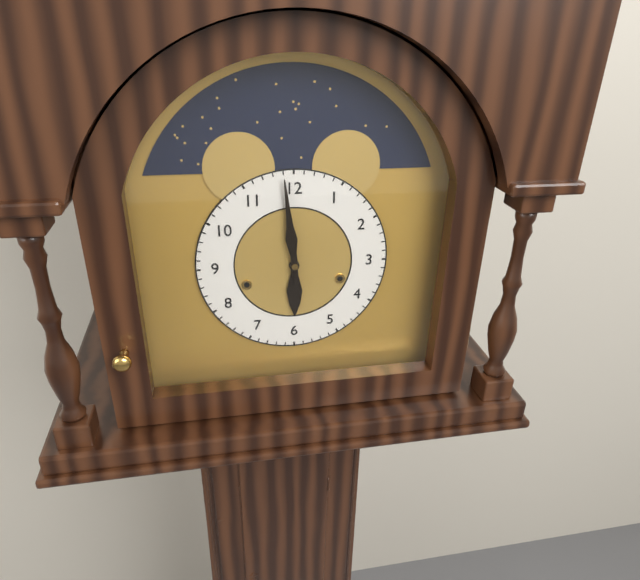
5 h 59 min
